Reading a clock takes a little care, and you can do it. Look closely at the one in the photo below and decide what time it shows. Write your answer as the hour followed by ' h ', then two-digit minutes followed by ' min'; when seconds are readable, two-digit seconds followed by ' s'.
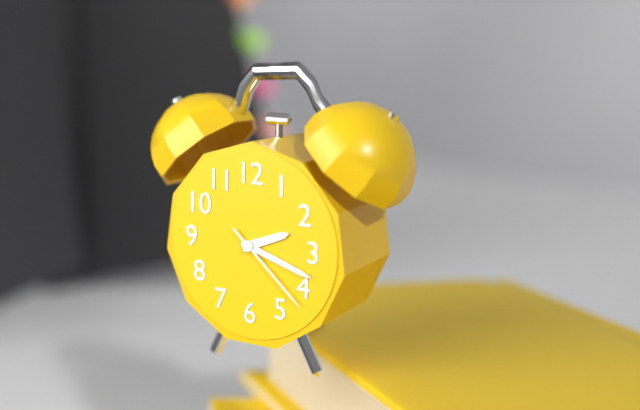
2 h 18 min 22 s
